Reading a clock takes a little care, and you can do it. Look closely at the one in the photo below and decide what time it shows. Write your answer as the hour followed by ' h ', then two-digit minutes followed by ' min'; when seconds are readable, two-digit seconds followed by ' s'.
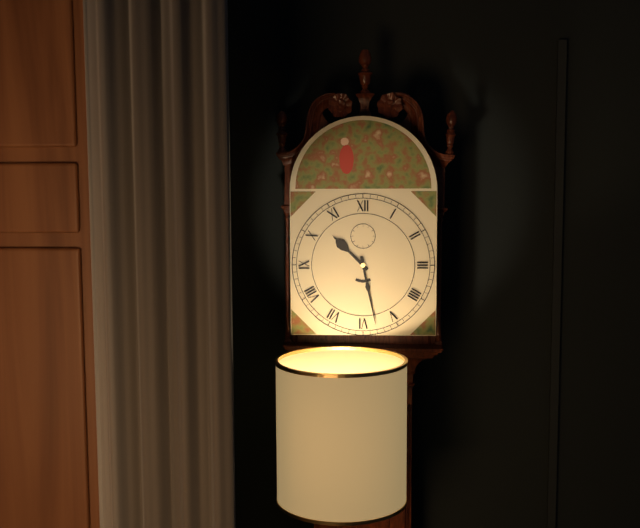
10 h 28 min
